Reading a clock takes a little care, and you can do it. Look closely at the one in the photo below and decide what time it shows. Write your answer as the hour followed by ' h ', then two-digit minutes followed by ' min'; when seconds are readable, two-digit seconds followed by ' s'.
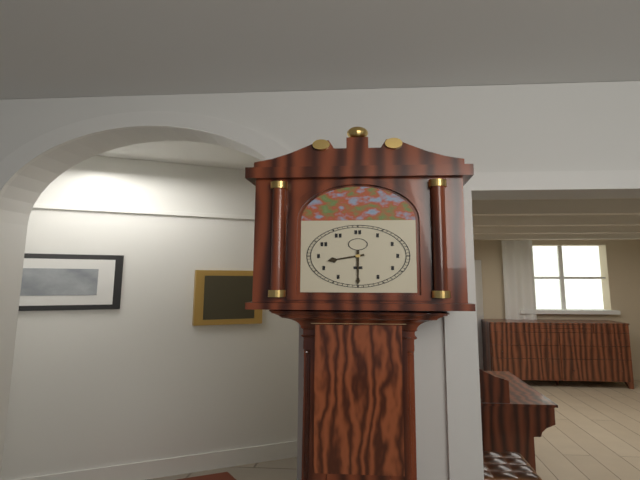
8 h 30 min
